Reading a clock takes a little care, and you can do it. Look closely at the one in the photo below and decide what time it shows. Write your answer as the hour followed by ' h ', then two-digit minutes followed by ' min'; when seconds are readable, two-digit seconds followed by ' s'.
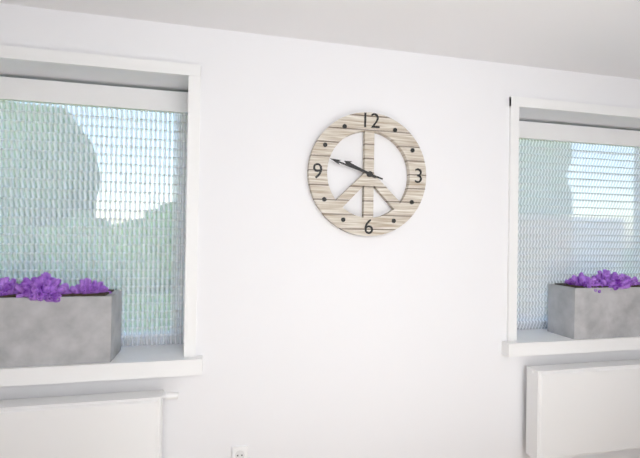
9 h 48 min
